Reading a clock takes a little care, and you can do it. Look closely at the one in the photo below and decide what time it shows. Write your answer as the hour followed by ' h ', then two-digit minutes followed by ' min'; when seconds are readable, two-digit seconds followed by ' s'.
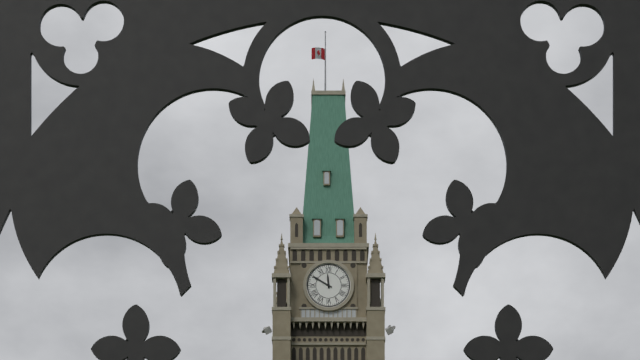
11 h 50 min
